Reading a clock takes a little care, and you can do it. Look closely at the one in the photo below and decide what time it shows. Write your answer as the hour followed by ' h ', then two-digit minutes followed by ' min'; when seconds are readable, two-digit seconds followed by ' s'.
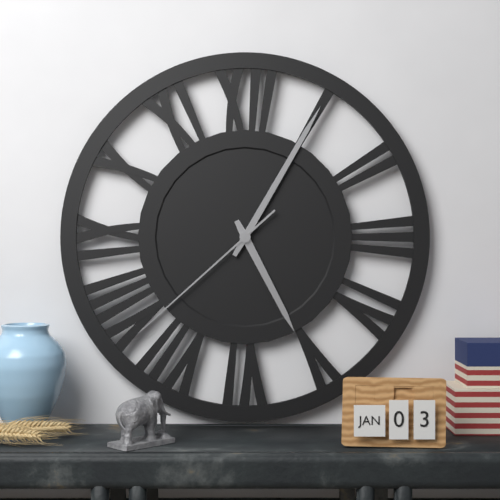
5 h 05 min 38 s
